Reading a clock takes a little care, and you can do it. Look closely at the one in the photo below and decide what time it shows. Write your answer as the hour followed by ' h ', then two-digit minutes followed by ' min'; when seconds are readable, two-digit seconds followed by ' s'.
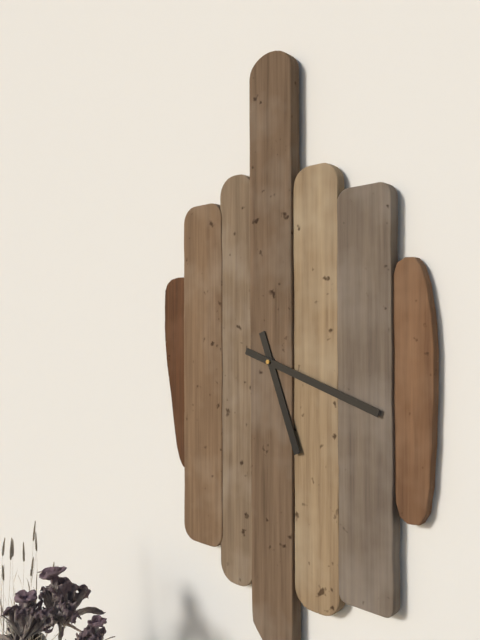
5 h 18 min
